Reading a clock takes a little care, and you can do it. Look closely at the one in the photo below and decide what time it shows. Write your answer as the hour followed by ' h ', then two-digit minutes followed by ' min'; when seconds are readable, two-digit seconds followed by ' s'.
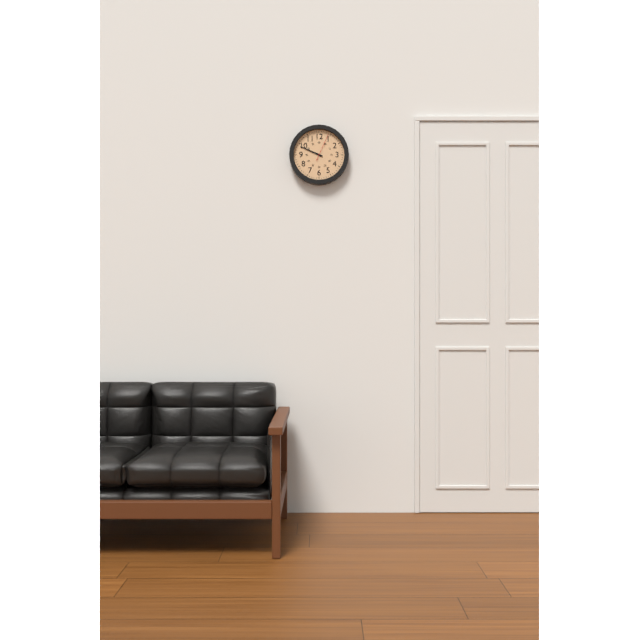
9 h 49 min
